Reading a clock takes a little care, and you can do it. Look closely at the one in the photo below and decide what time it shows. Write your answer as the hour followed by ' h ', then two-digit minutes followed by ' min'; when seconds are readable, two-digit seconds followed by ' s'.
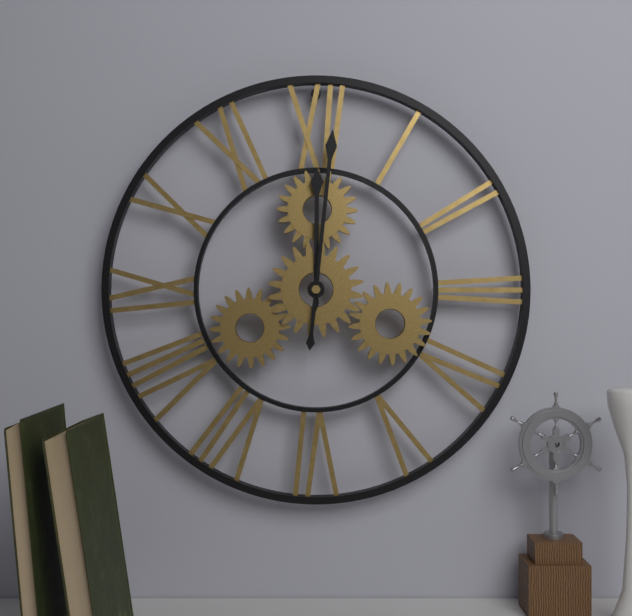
12 h 01 min
